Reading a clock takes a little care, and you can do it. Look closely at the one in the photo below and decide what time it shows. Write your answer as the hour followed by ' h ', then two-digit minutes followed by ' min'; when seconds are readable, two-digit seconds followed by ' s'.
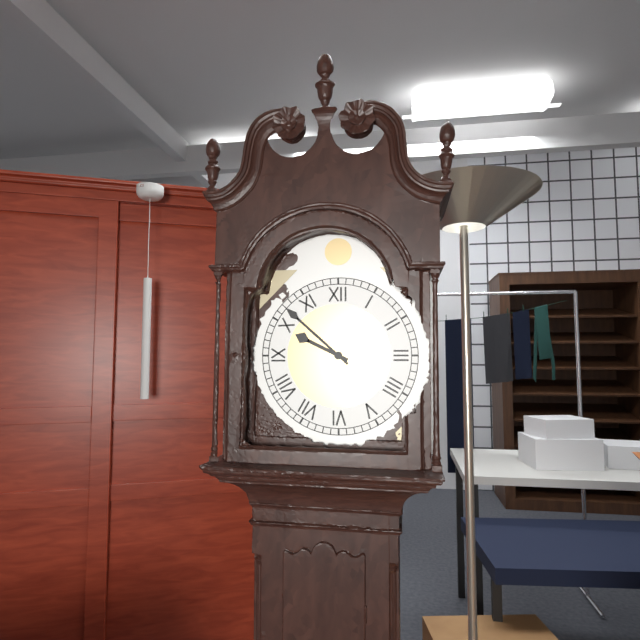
9 h 52 min
